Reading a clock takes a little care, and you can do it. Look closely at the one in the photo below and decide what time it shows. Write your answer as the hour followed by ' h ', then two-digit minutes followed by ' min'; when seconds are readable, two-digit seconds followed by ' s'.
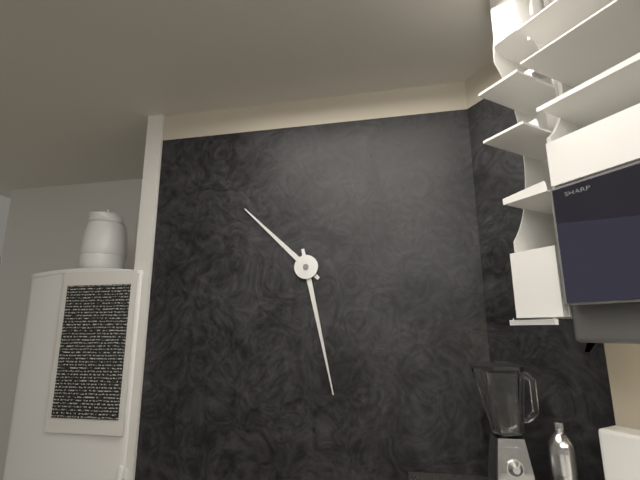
10 h 28 min
